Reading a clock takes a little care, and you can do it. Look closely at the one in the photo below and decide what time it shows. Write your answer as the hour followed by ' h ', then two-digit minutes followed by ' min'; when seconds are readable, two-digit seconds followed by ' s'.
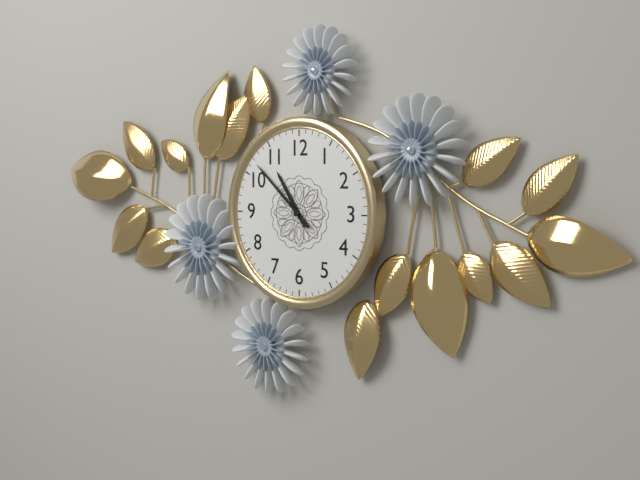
10 h 52 min
